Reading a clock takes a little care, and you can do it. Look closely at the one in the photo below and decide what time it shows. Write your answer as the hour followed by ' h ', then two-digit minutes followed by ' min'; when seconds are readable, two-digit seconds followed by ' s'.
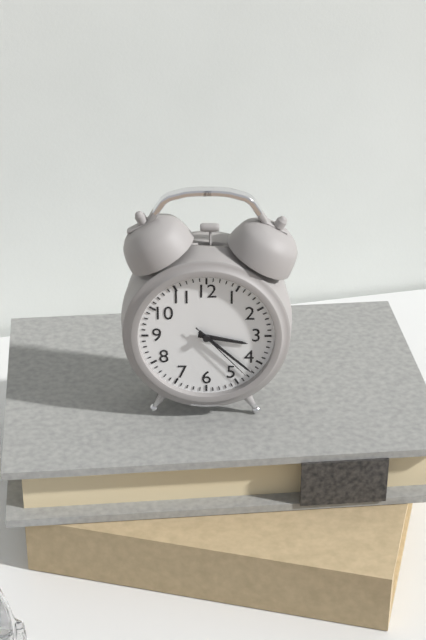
3 h 22 min 23 s
